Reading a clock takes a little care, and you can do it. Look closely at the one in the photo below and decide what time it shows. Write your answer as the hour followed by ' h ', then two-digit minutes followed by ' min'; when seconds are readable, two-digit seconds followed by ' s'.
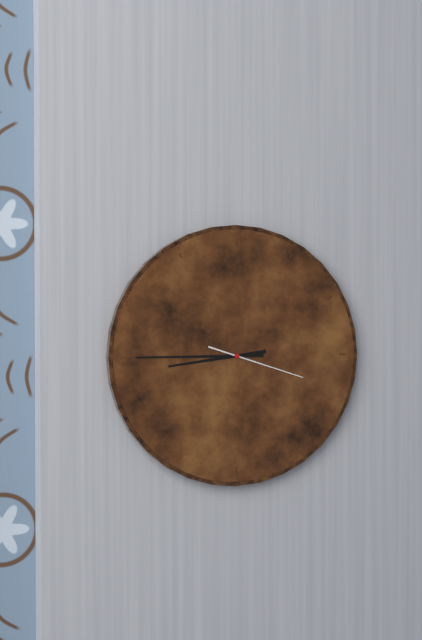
8 h 45 min 18 s
